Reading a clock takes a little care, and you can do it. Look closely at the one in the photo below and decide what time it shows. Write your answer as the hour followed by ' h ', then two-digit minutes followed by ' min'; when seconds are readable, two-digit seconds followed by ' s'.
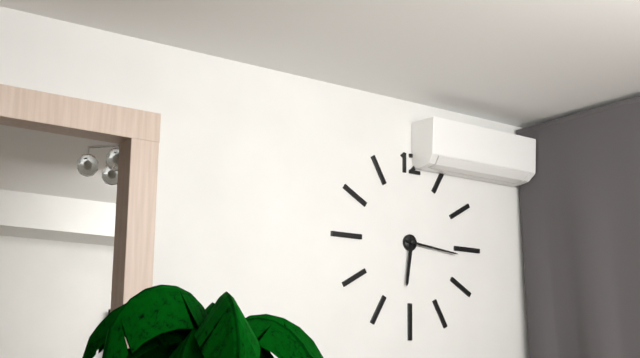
6 h 16 min
